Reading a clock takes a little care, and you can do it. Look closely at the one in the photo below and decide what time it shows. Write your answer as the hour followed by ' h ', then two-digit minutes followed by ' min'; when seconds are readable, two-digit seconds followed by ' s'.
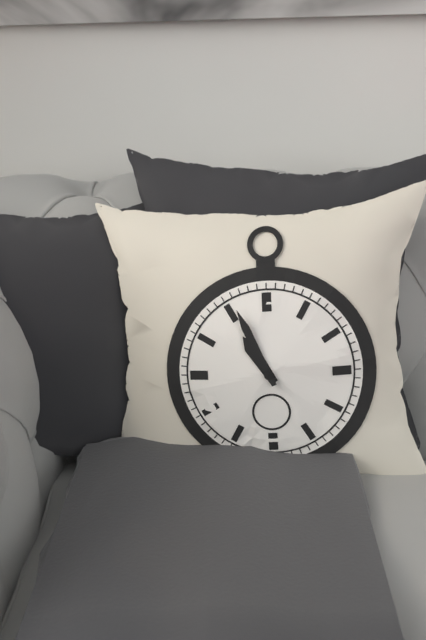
10 h 56 min
